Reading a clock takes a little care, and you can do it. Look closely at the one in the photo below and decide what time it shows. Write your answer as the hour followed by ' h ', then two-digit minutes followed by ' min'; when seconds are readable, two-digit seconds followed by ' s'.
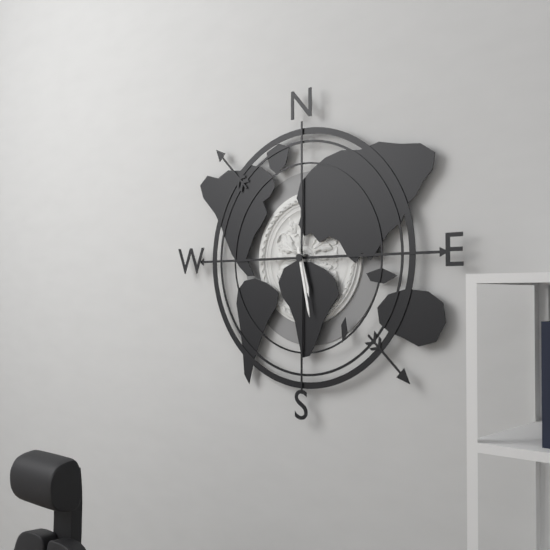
5 h 28 min
